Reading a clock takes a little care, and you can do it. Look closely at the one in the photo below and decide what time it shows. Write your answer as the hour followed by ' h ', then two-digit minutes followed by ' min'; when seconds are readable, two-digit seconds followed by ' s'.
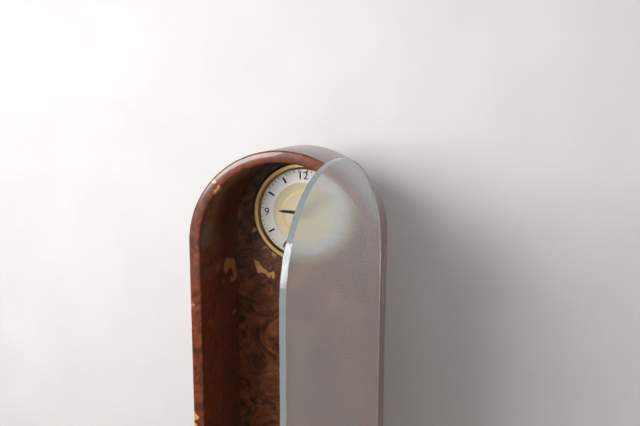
9 h 08 min
